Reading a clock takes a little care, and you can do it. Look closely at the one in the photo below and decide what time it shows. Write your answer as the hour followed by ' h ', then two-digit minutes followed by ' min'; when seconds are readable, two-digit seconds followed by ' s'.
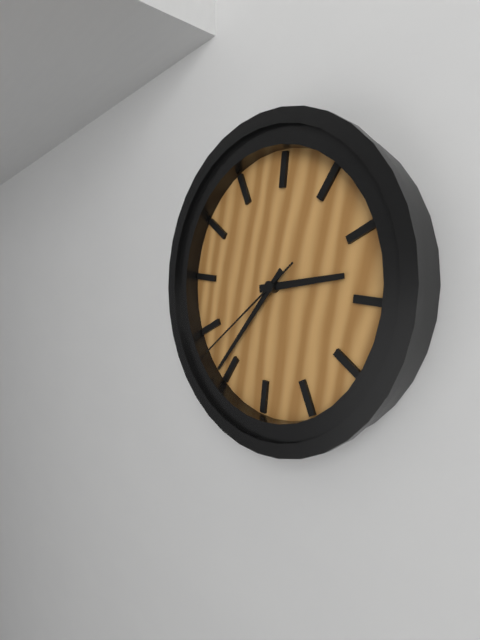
2 h 36 min 38 s
